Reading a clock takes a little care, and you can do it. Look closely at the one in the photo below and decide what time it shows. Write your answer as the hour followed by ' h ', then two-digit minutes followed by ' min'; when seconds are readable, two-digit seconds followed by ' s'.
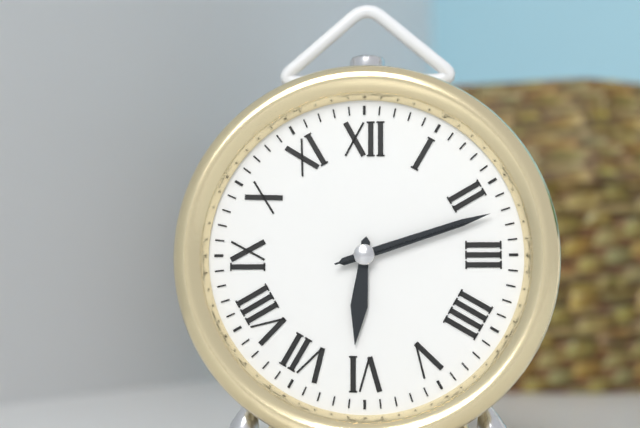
6 h 12 min 12 s
